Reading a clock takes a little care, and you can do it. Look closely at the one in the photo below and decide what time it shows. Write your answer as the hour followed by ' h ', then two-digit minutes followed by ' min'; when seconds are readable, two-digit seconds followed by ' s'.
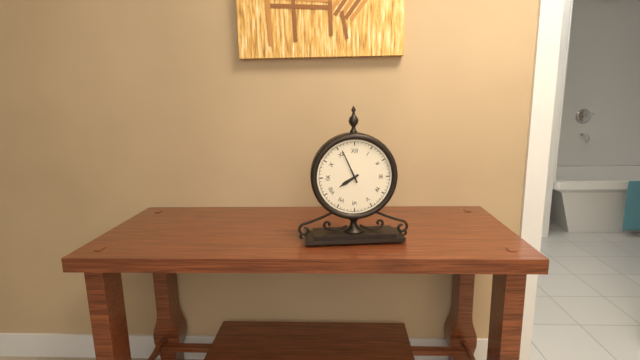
7 h 56 min
